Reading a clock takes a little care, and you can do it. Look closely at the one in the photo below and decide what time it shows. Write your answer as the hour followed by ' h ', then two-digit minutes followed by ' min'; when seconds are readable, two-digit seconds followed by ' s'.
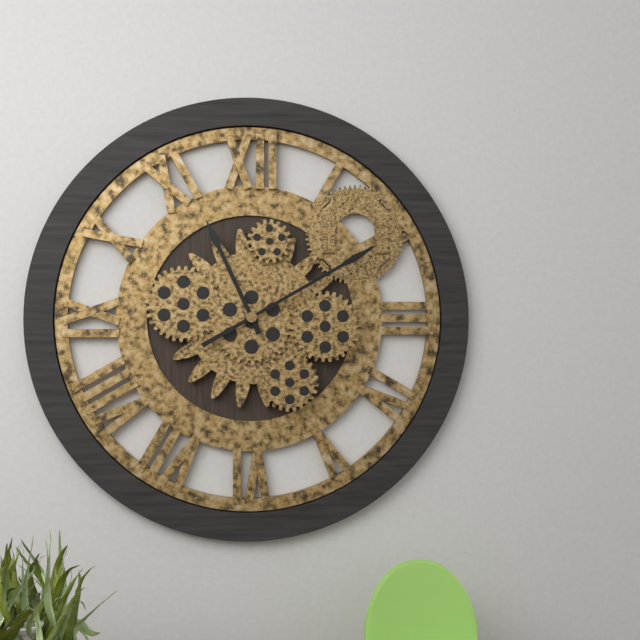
11 h 10 min
